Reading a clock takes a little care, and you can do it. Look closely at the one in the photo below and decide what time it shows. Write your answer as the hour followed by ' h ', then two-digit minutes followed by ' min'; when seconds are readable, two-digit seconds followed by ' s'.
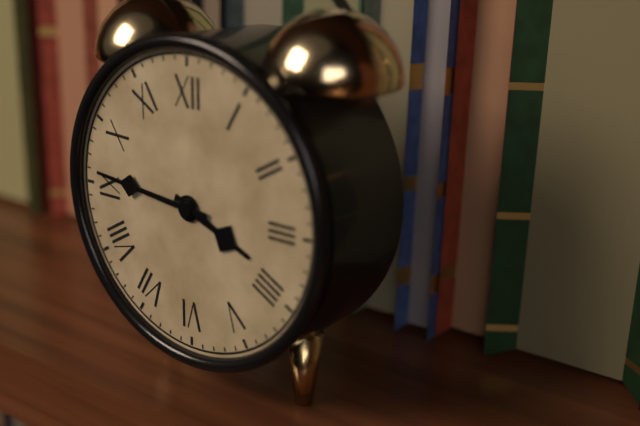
3 h 46 min
